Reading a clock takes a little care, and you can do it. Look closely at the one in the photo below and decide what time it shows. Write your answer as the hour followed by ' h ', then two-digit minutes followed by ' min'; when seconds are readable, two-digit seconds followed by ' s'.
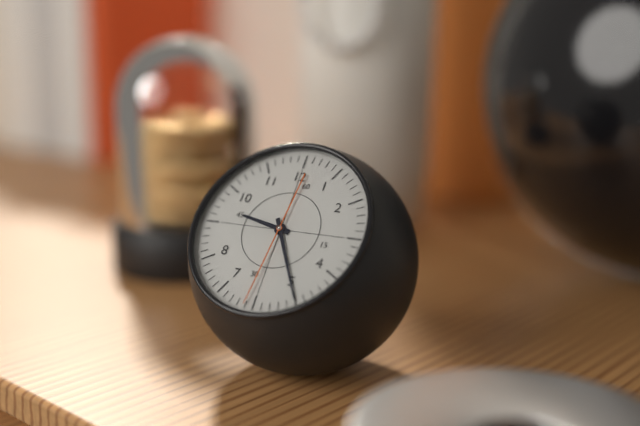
9 h 25 min 31 s
